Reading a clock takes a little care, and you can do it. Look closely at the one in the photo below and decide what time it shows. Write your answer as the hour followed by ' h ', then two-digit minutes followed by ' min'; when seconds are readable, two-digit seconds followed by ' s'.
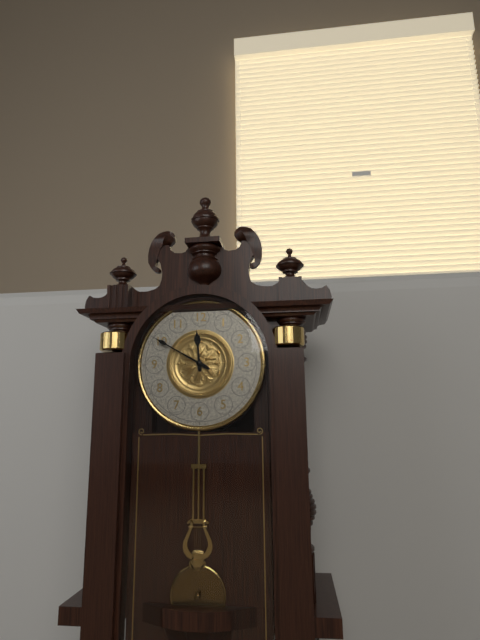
11 h 50 min
